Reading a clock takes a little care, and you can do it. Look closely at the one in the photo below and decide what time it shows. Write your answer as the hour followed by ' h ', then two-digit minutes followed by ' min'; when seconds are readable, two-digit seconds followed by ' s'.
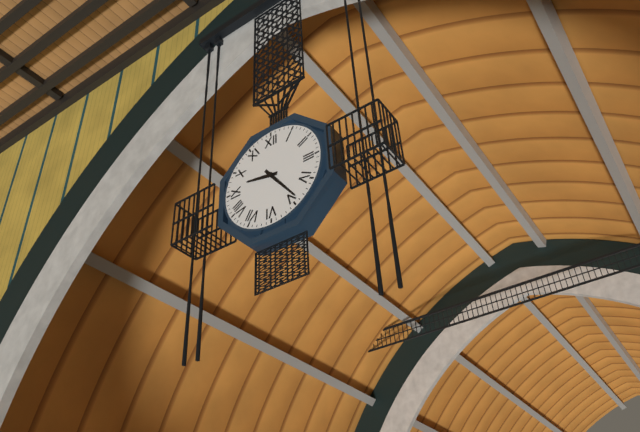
9 h 24 min
